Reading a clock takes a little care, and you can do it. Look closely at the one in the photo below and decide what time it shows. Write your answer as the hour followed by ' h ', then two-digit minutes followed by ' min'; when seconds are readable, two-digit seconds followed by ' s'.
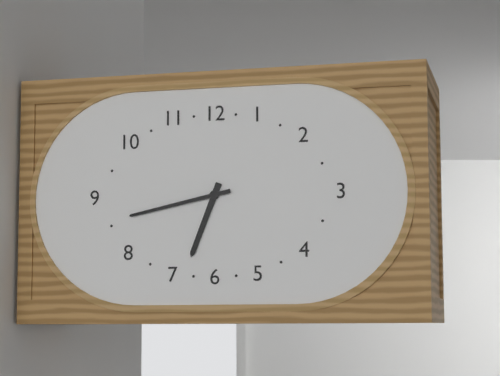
6 h 43 min
